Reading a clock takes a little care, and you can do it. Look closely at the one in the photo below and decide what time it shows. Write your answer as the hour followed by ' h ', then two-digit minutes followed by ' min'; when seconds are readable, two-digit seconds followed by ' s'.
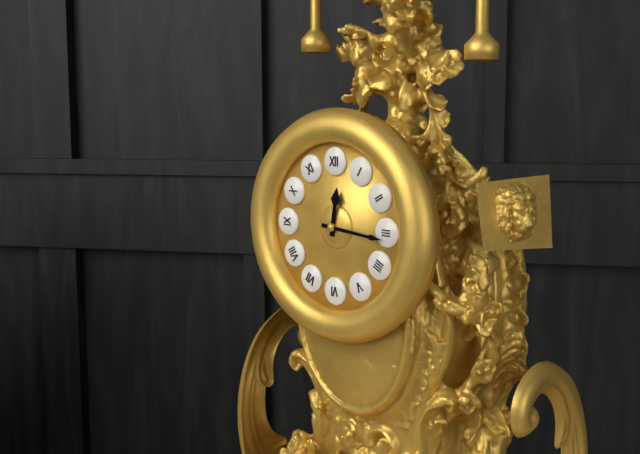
12 h 16 min
